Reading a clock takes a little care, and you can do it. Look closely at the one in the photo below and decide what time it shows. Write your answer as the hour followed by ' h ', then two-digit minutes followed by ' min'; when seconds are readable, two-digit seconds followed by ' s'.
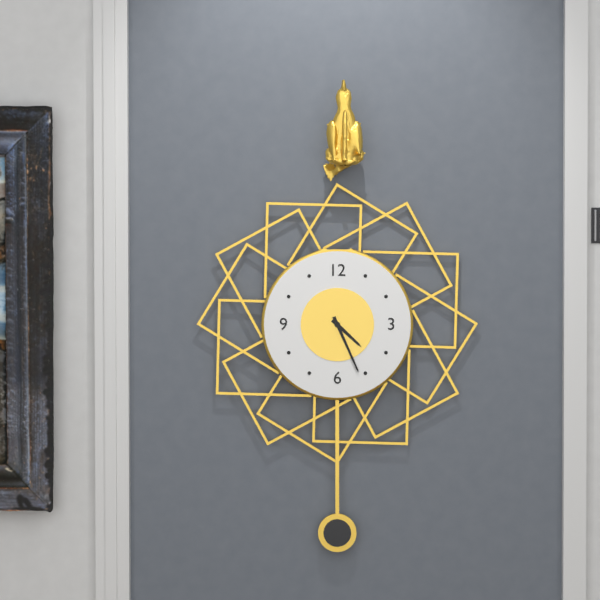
4 h 26 min
